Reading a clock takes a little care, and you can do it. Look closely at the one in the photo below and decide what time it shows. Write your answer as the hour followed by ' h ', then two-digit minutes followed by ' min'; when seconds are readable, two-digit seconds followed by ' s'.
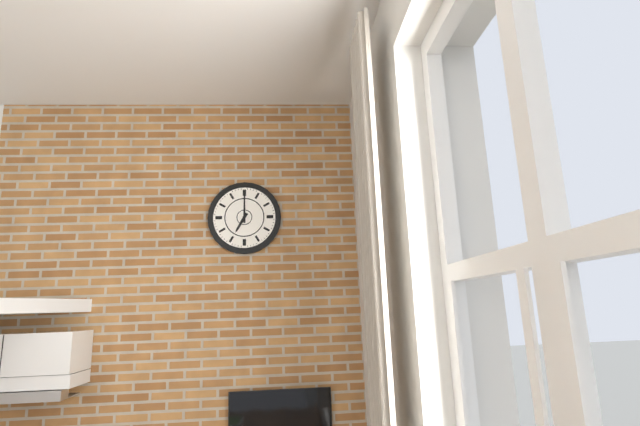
7 h 00 min
